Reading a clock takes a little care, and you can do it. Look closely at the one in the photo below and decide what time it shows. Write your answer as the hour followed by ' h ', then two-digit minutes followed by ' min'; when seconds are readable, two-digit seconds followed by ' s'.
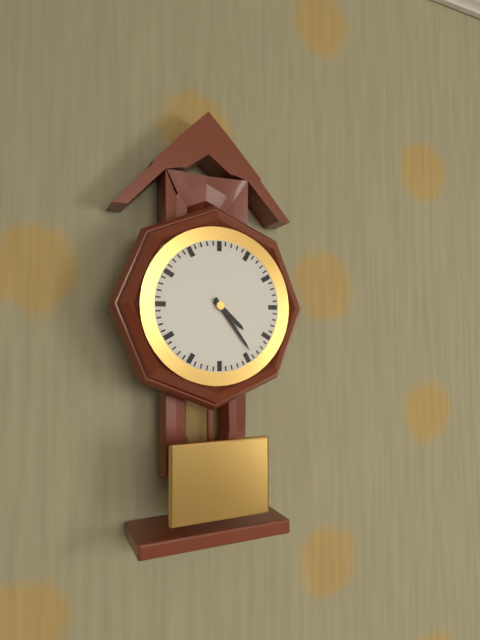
4 h 24 min
